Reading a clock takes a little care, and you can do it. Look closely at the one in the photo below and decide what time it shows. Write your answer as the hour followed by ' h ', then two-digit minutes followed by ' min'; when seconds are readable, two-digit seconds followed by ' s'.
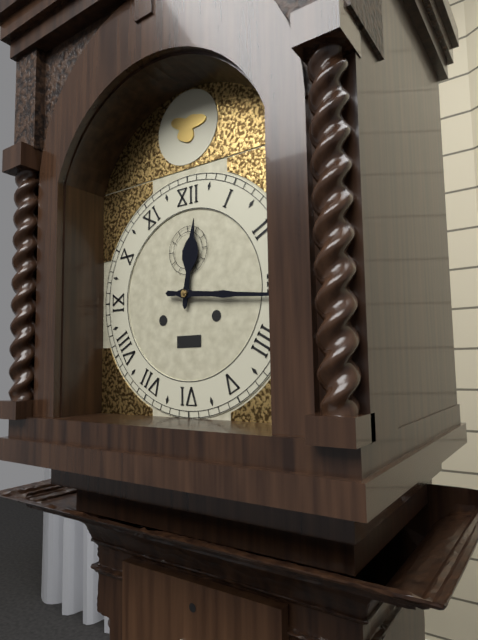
12 h 16 min
